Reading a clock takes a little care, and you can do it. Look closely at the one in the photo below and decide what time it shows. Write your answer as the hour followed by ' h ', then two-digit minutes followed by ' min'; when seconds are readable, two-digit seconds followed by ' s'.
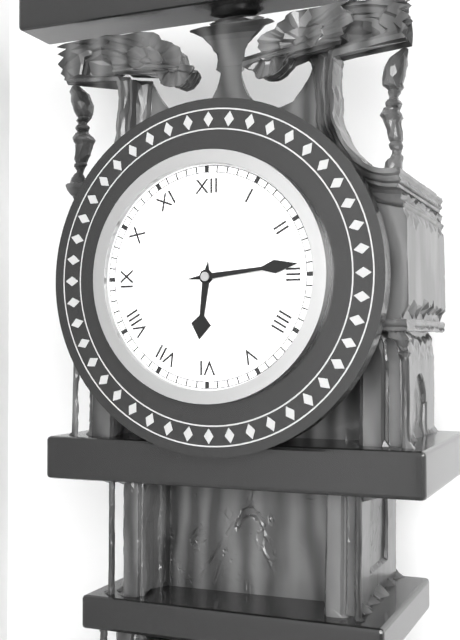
6 h 14 min
